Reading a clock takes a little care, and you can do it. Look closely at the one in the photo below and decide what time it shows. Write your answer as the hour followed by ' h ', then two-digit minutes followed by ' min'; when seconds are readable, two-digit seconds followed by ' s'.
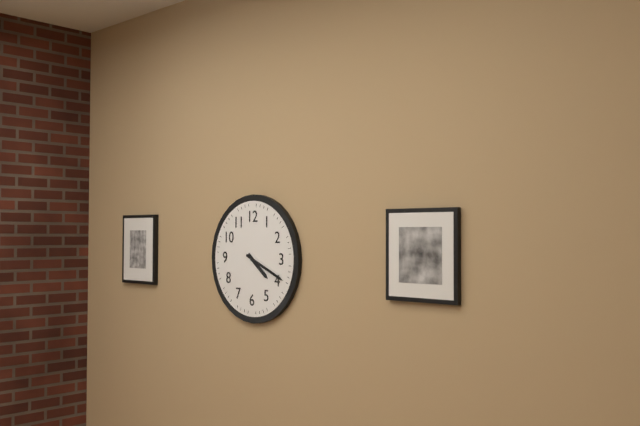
4 h 19 min
